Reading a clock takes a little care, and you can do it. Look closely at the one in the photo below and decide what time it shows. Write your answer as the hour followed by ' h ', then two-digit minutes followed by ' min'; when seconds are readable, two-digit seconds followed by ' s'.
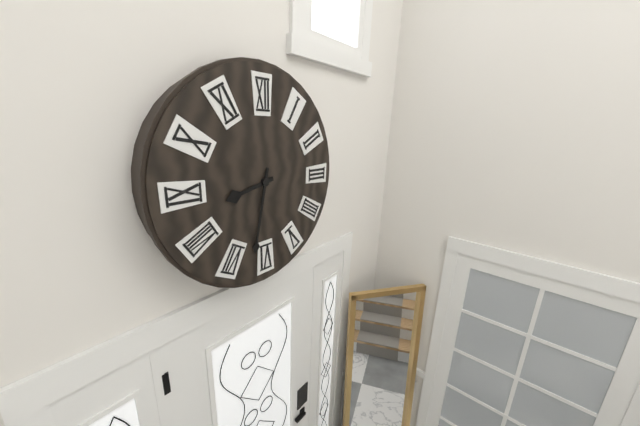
8 h 32 min
